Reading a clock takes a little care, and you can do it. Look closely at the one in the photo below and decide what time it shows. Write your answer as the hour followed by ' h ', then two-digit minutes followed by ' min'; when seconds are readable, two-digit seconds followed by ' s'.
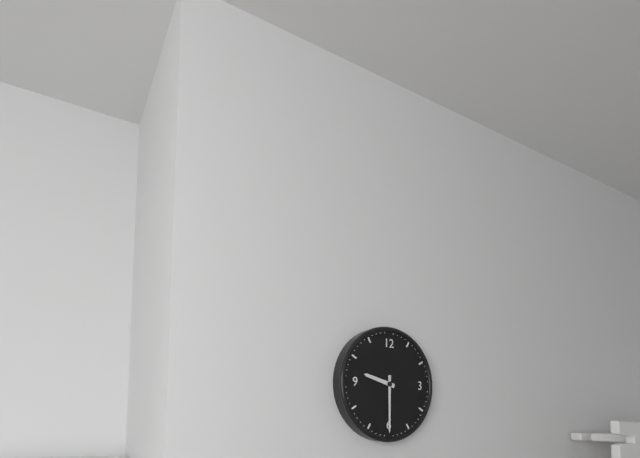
9 h 30 min
